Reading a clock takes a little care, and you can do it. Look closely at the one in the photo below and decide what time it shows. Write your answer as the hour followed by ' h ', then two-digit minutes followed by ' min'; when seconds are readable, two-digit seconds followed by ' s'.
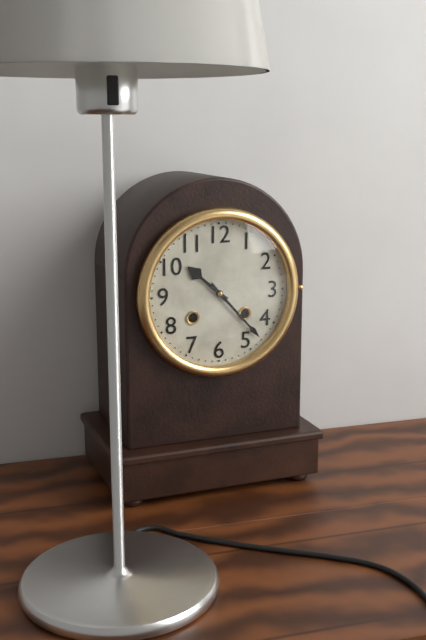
10 h 23 min
